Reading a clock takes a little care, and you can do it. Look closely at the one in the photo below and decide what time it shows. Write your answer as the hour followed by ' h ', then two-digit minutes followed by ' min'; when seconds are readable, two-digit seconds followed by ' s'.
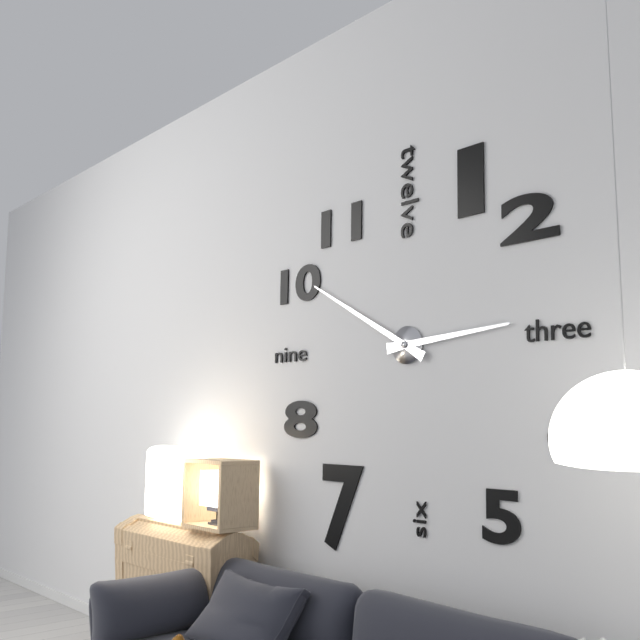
2 h 50 min
